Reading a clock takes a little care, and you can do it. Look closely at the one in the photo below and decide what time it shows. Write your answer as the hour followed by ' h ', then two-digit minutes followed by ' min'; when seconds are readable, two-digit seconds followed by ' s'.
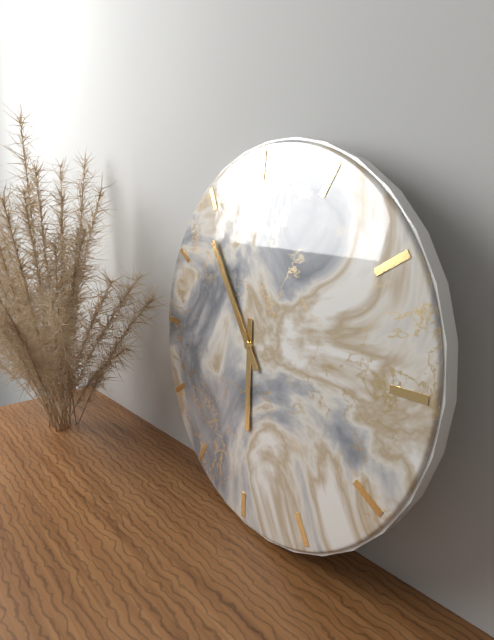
5 h 54 min
